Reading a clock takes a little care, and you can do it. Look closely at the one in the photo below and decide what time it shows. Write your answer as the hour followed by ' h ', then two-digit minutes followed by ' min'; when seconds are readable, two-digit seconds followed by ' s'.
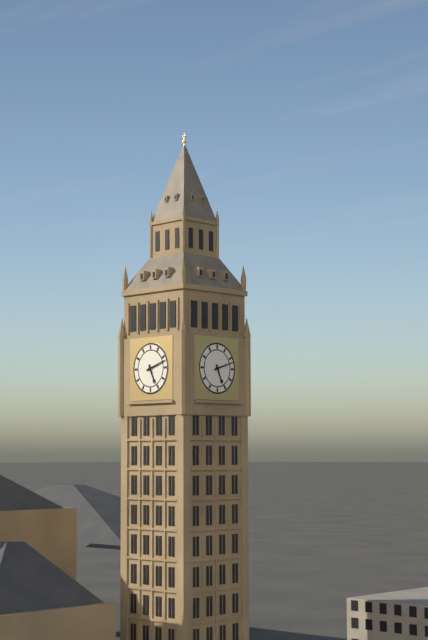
5 h 12 min
